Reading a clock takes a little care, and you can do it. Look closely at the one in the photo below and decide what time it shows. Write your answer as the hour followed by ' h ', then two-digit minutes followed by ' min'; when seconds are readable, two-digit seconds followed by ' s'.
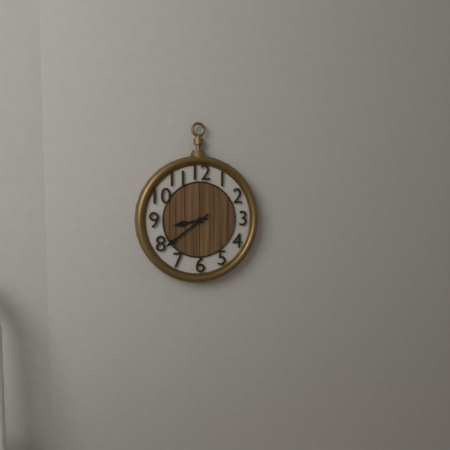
8 h 39 min
